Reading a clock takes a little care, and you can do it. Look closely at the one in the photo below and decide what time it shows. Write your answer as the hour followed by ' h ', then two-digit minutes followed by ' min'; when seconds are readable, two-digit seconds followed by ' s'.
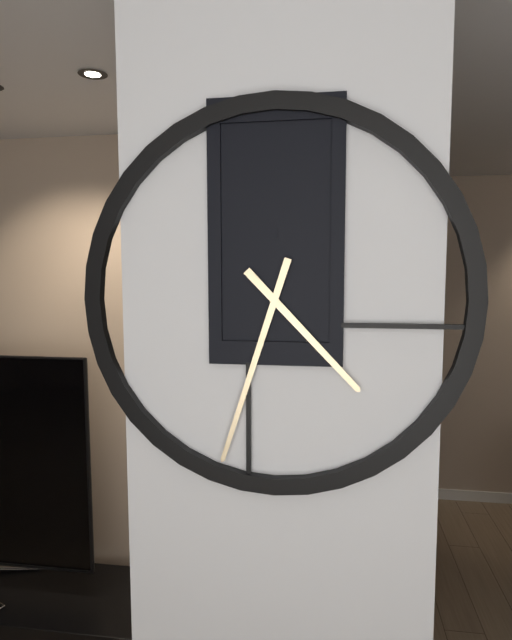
4 h 33 min
